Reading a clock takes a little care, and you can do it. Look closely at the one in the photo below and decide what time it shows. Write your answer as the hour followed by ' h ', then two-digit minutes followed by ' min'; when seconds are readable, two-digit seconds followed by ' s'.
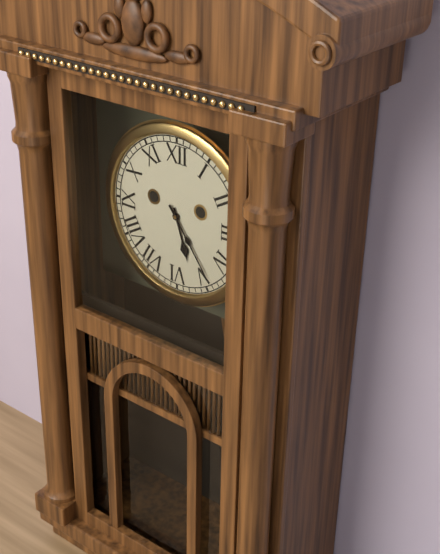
5 h 24 min
